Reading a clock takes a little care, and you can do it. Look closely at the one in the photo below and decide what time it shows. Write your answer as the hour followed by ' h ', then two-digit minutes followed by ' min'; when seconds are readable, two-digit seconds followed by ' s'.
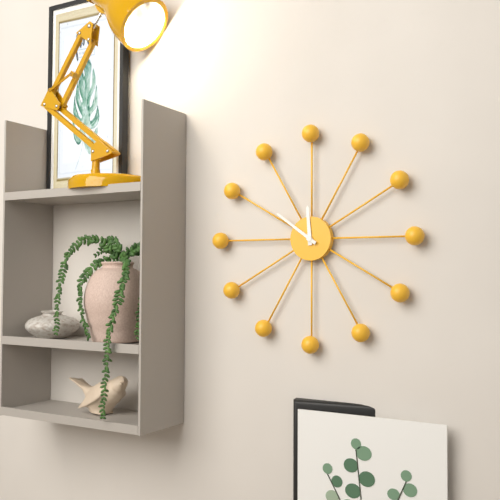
11 h 51 min
